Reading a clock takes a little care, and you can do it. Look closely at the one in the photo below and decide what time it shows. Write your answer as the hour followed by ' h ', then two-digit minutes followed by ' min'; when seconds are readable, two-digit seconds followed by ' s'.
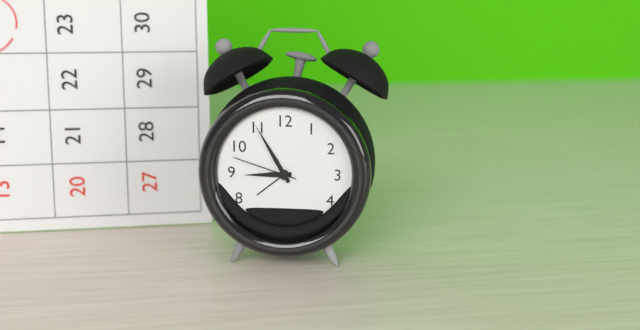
8 h 55 min 48 s
